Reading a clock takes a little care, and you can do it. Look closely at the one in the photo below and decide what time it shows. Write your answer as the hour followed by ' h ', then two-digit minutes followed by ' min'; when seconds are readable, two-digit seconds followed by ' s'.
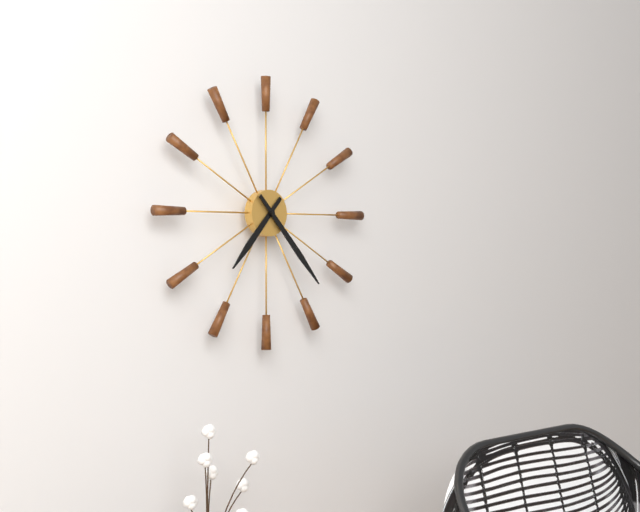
7 h 23 min
